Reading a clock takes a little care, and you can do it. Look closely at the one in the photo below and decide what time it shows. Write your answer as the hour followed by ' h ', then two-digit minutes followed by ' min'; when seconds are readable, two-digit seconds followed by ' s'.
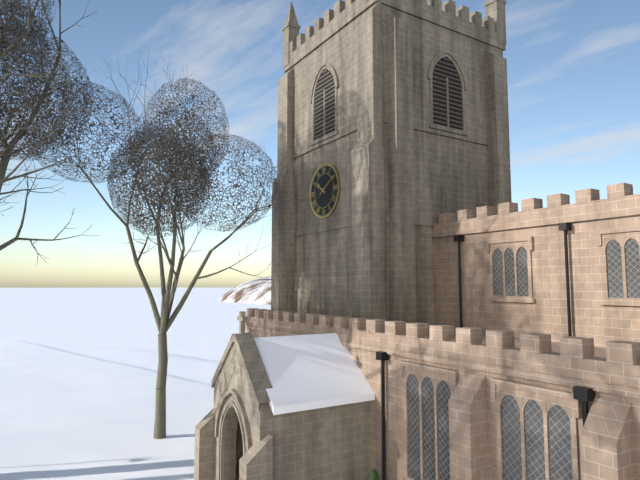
10 h 10 min
